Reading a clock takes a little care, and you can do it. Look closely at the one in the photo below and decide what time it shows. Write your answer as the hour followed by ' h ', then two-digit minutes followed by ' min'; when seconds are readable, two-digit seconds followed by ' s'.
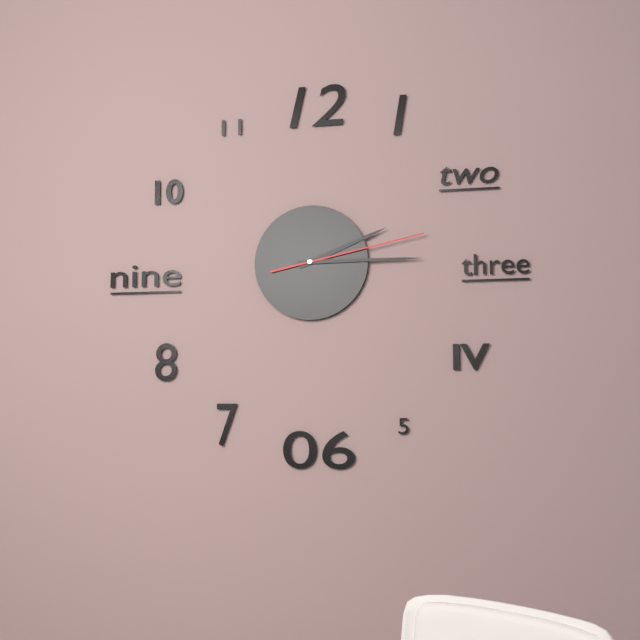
2 h 15 min 13 s
